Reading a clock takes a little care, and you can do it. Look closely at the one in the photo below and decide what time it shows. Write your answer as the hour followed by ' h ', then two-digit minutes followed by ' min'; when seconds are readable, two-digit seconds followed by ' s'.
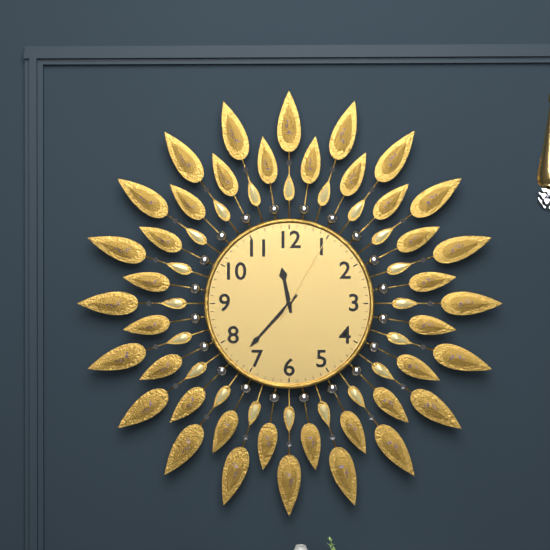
11 h 37 min 05 s
